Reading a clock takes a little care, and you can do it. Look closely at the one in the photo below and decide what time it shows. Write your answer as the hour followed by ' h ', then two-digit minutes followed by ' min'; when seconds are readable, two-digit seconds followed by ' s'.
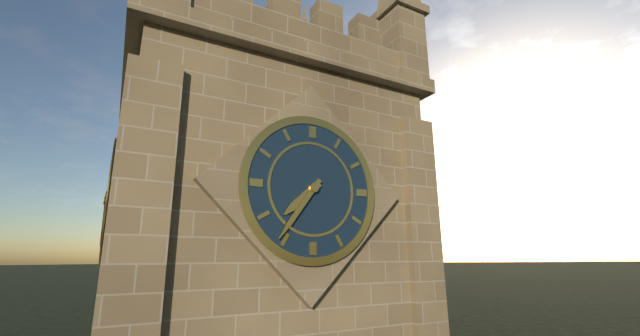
7 h 36 min
